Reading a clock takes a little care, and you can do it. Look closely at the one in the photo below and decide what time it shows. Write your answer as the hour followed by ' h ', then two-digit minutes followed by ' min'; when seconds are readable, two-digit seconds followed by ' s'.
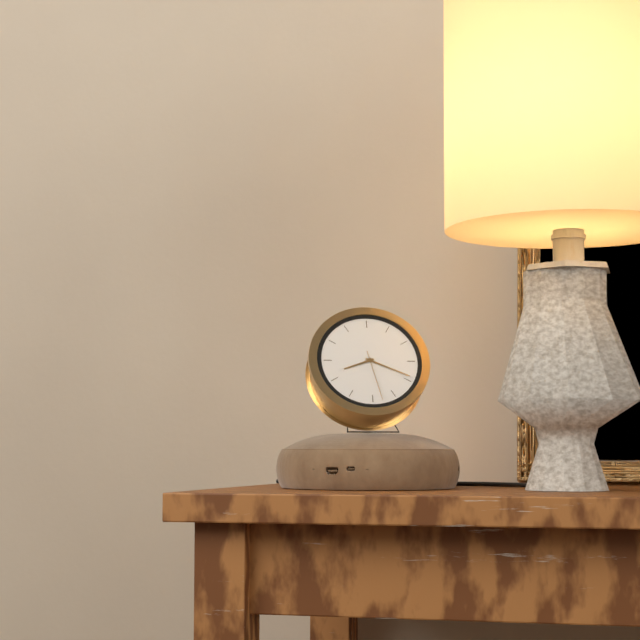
8 h 19 min 28 s
